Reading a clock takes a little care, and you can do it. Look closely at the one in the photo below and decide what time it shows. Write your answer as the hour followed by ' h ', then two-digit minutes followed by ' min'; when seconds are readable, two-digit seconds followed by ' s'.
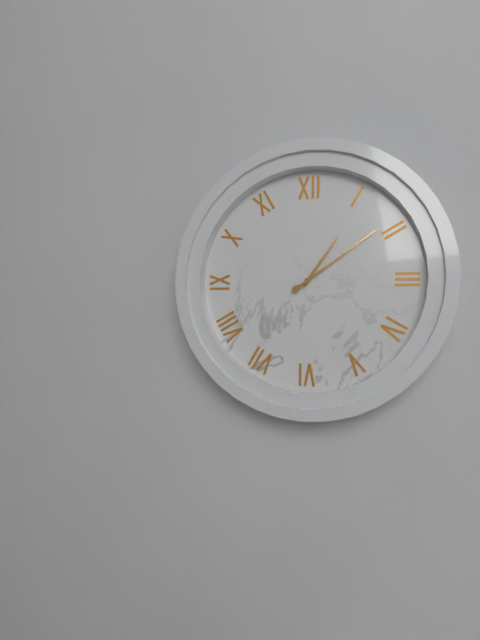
1 h 09 min
